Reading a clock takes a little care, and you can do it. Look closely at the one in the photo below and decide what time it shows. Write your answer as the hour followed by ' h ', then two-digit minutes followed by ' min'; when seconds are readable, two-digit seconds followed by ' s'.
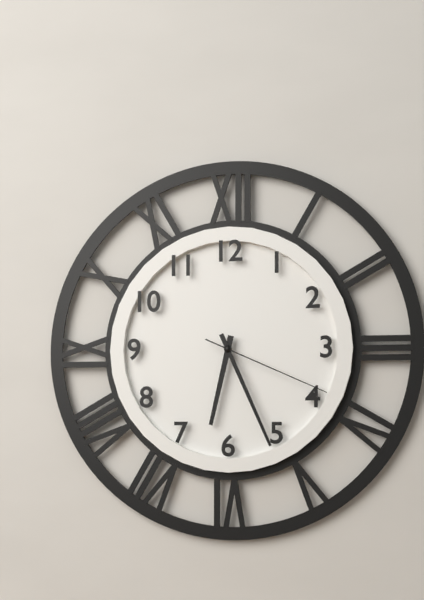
6 h 26 min 19 s
